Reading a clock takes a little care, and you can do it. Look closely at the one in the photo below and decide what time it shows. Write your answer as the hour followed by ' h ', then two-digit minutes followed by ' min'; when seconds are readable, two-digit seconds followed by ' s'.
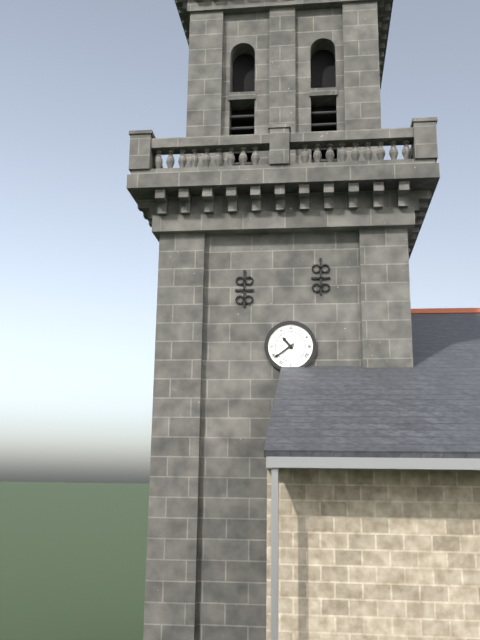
10 h 39 min
